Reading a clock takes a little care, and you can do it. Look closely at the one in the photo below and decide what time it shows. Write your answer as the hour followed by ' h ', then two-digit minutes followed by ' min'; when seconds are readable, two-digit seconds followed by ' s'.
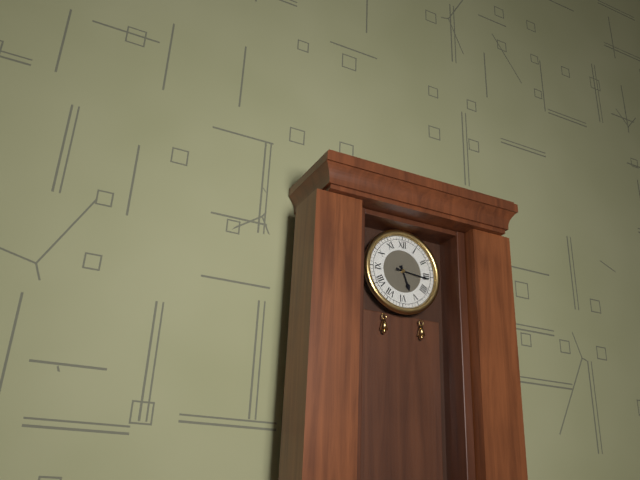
5 h 16 min
